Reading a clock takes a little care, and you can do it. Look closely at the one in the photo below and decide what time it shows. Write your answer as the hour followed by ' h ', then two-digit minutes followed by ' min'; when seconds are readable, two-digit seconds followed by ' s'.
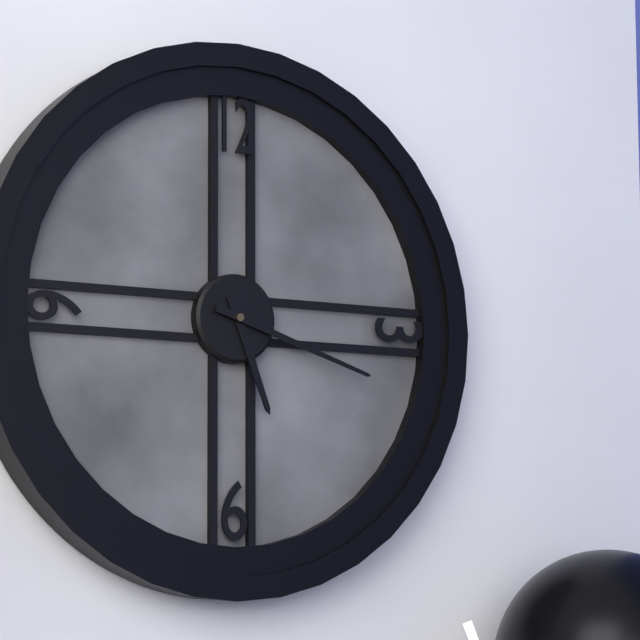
5 h 18 min
